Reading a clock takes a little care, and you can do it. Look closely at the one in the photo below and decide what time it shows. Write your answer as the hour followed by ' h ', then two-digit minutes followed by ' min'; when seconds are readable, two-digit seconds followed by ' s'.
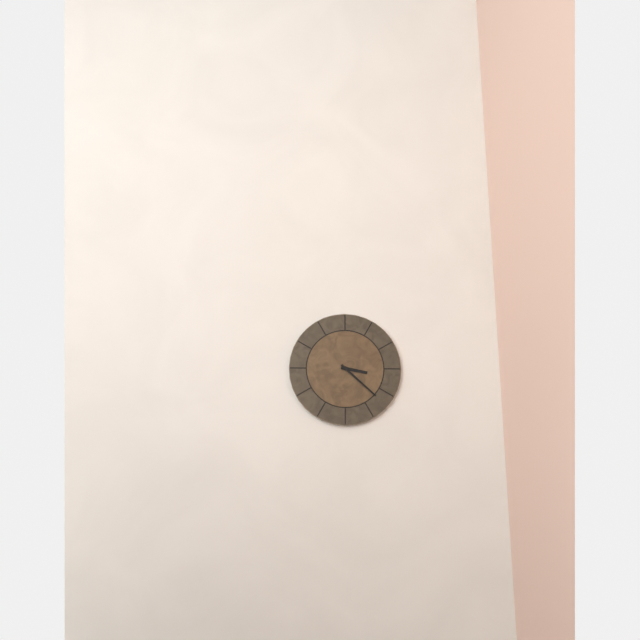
3 h 22 min
